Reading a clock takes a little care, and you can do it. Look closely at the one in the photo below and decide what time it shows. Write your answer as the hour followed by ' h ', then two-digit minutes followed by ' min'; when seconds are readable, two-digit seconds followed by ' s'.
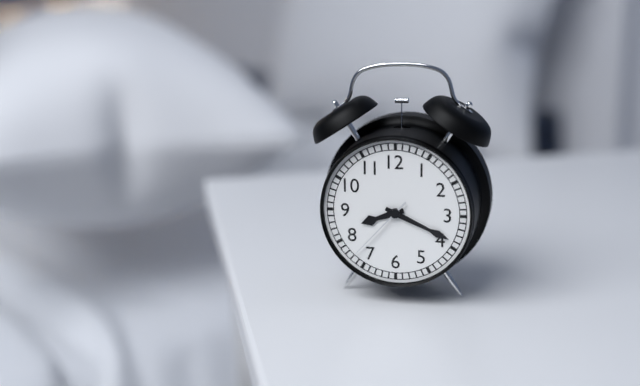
8 h 19 min 37 s
